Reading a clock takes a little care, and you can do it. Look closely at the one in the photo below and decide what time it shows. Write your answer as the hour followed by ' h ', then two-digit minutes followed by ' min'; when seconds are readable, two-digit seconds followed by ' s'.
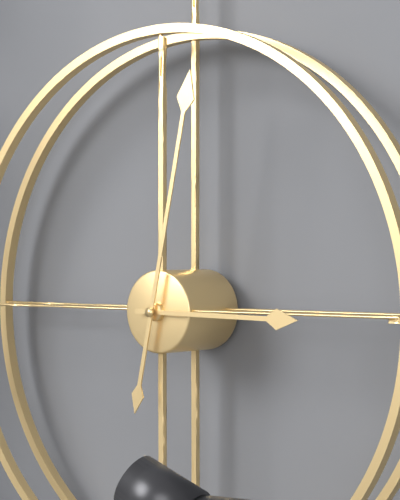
3 h 02 min
